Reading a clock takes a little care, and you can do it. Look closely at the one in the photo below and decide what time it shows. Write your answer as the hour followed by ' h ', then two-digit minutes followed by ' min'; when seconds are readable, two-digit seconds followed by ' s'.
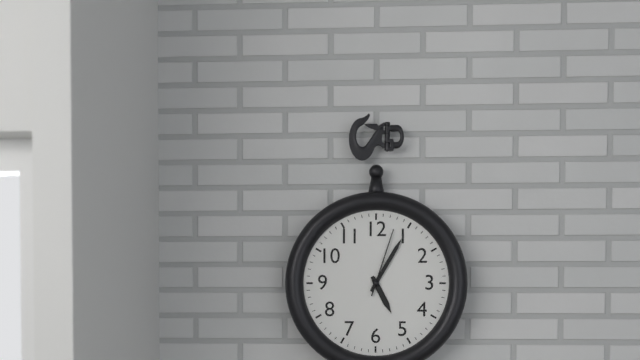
5 h 05 min 03 s
